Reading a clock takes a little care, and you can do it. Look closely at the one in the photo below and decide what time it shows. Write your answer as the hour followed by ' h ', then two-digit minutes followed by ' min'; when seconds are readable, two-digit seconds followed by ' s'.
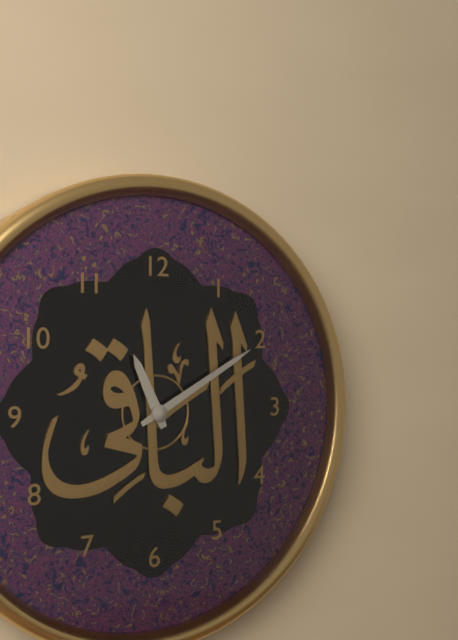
11 h 10 min
